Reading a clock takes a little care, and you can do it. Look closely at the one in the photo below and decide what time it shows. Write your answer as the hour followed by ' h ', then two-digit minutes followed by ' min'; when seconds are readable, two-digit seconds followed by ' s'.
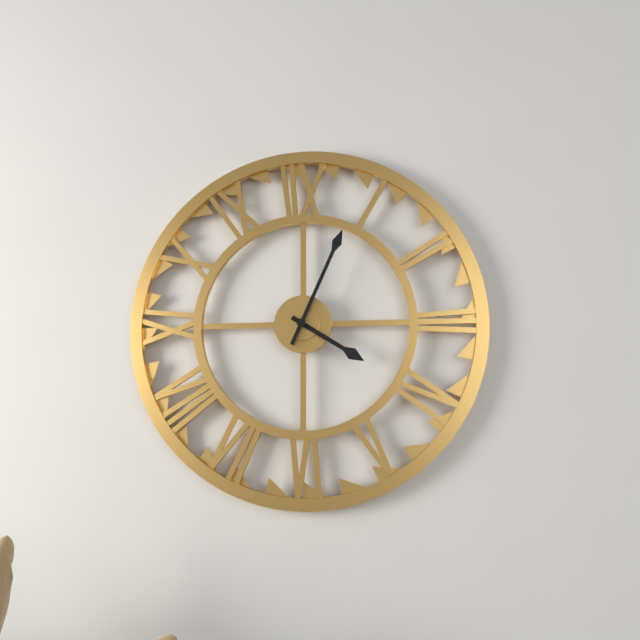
4 h 04 min
